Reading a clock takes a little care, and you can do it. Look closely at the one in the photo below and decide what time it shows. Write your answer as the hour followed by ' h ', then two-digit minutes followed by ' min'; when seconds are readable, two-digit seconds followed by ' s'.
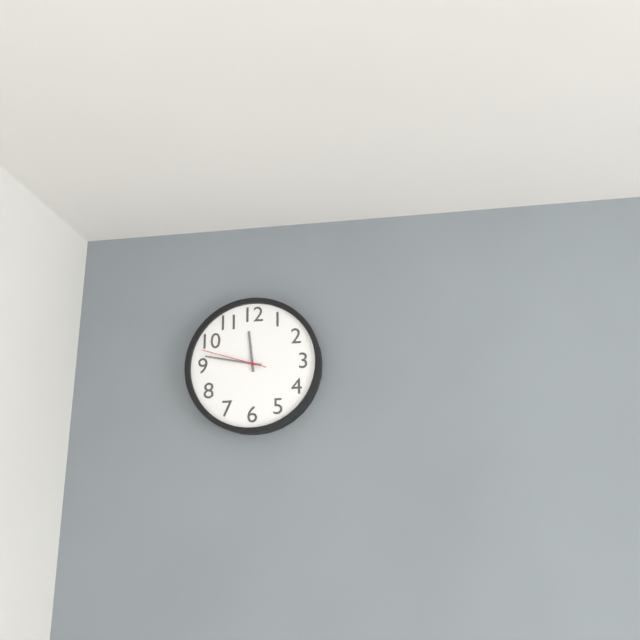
11 h 47 min 48 s
